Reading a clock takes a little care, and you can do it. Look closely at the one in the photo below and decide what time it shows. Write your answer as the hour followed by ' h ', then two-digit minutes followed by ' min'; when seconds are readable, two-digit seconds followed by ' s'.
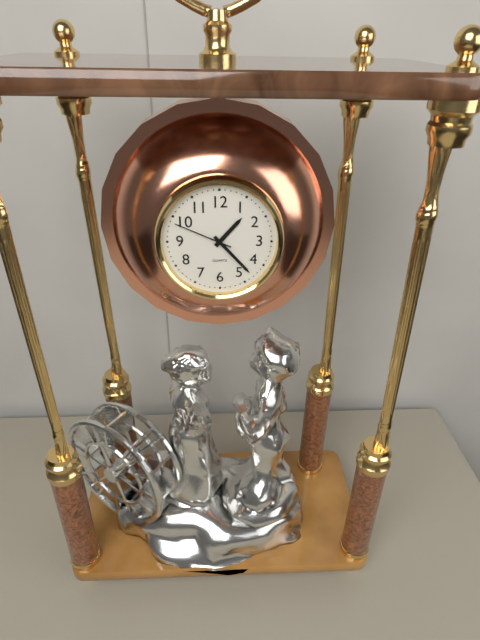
1 h 23 min 49 s
